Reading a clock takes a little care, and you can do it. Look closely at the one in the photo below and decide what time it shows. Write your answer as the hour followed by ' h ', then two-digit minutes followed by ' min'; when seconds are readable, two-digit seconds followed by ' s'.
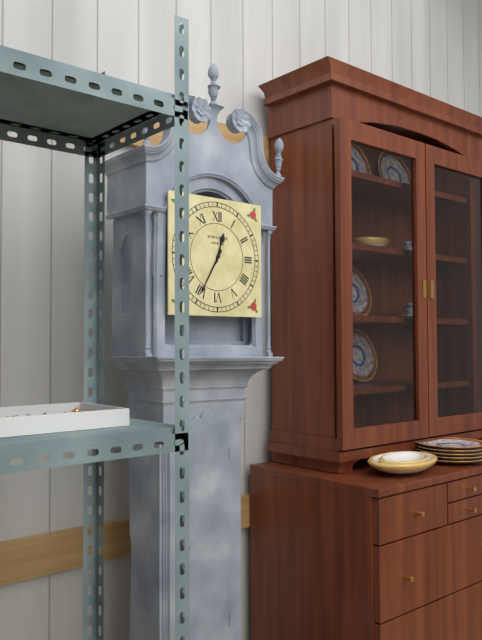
12 h 35 min
